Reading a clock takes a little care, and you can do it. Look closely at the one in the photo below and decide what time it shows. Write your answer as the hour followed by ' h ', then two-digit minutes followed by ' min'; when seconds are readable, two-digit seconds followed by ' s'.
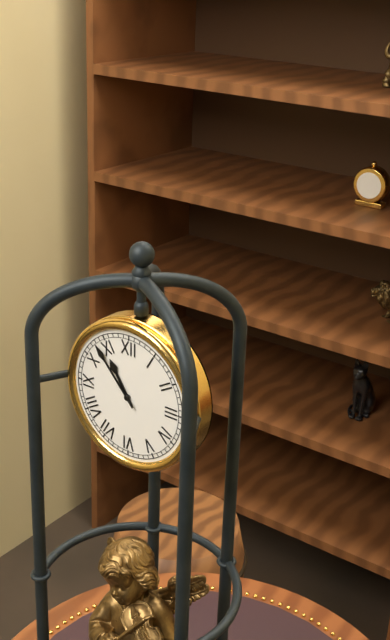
10 h 53 min
